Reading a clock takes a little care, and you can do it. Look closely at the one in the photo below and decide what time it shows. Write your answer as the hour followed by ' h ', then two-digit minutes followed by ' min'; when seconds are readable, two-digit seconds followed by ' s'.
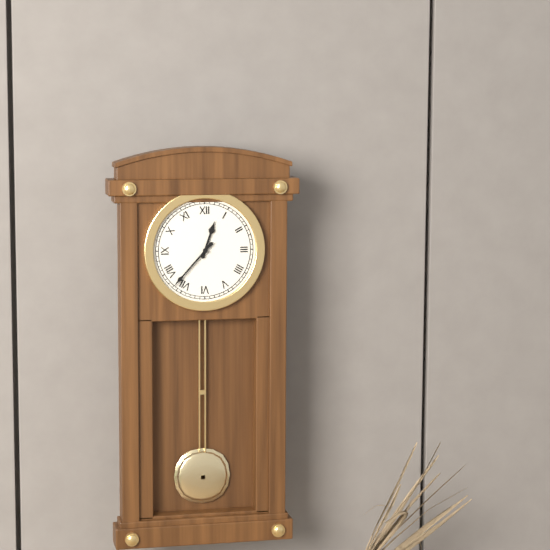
12 h 37 min
